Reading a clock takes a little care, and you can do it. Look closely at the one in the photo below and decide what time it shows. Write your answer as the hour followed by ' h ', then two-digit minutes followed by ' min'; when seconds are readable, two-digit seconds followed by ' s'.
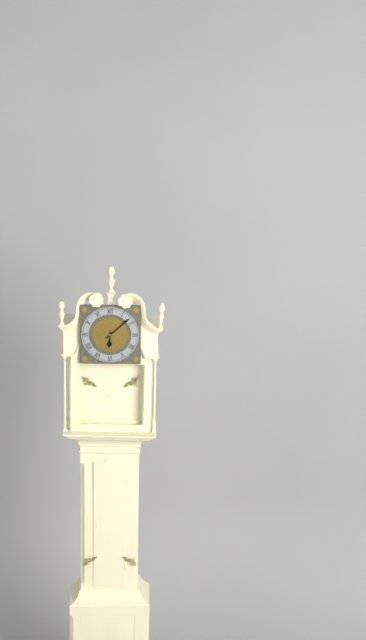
6 h 08 min
